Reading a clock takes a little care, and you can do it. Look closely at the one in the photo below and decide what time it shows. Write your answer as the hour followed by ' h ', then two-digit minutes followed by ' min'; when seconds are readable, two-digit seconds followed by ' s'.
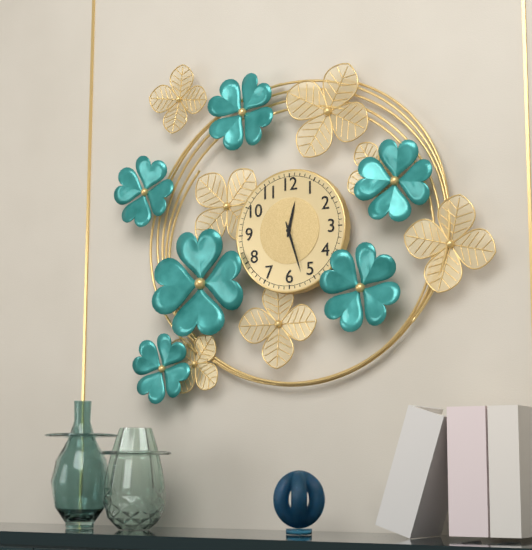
12 h 27 min
